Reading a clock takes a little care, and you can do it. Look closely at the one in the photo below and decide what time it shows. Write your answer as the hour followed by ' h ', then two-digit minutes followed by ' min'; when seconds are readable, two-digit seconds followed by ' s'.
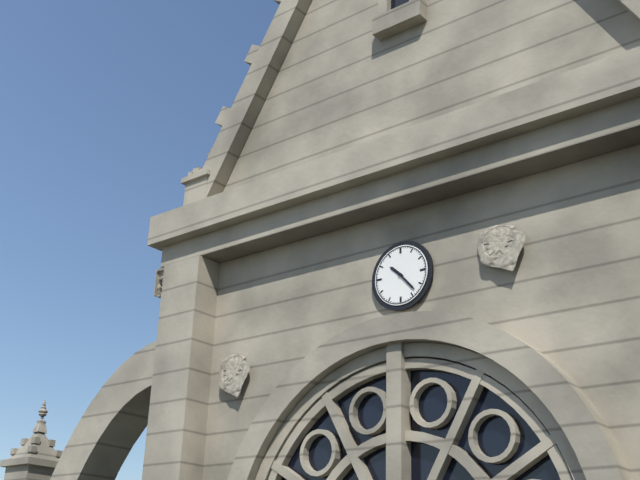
10 h 23 min
